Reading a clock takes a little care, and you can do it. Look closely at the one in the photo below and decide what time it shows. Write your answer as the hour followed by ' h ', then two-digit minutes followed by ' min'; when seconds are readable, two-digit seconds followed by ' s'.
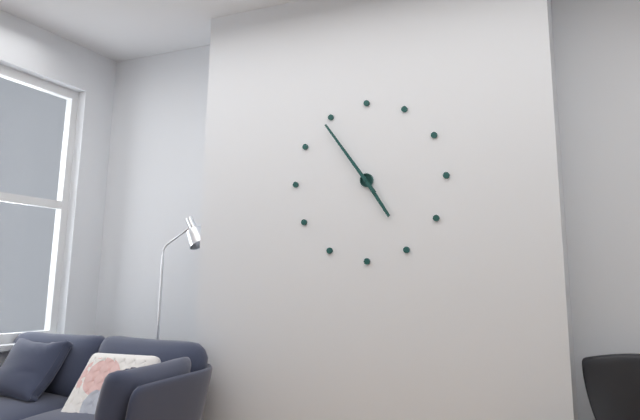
4 h 54 min
